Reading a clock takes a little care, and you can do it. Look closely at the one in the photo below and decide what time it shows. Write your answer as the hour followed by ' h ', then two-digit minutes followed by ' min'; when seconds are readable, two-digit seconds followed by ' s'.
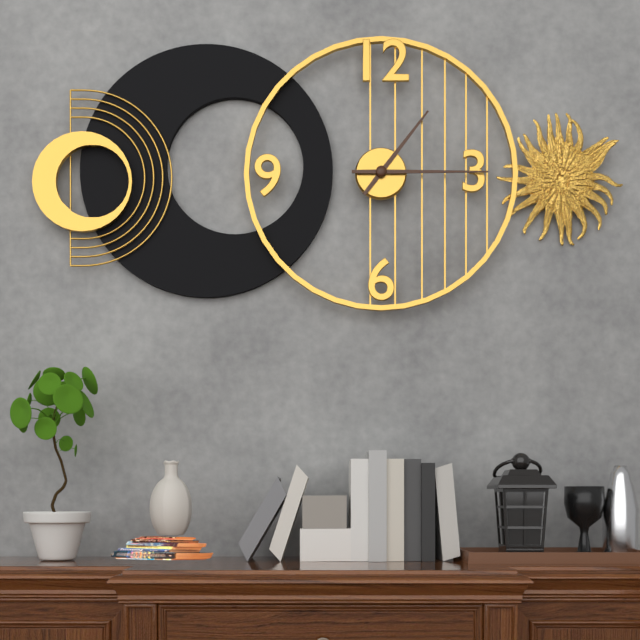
1 h 15 min
